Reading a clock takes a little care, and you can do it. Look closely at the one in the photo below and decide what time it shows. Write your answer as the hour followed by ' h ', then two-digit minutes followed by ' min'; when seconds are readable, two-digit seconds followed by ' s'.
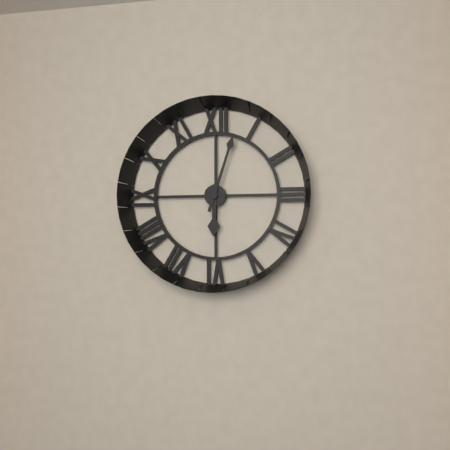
6 h 03 min
